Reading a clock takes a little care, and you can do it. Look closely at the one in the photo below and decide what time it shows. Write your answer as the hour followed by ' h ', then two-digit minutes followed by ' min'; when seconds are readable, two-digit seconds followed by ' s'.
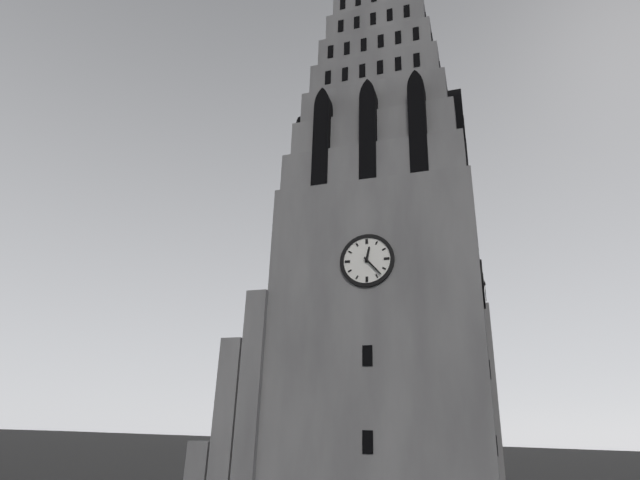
12 h 23 min
